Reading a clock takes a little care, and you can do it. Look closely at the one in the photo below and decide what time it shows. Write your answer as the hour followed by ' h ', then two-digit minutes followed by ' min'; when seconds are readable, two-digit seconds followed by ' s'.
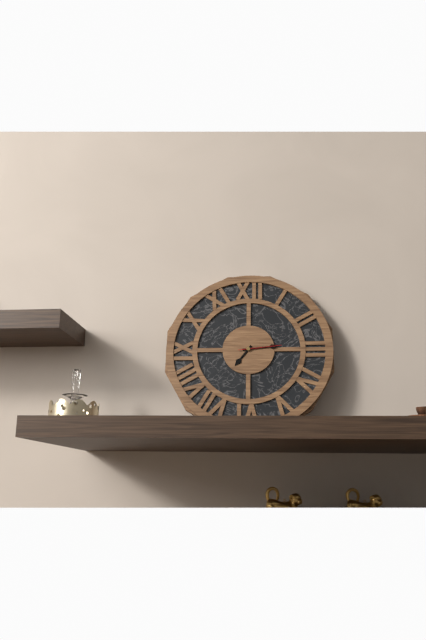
7 h 14 min
